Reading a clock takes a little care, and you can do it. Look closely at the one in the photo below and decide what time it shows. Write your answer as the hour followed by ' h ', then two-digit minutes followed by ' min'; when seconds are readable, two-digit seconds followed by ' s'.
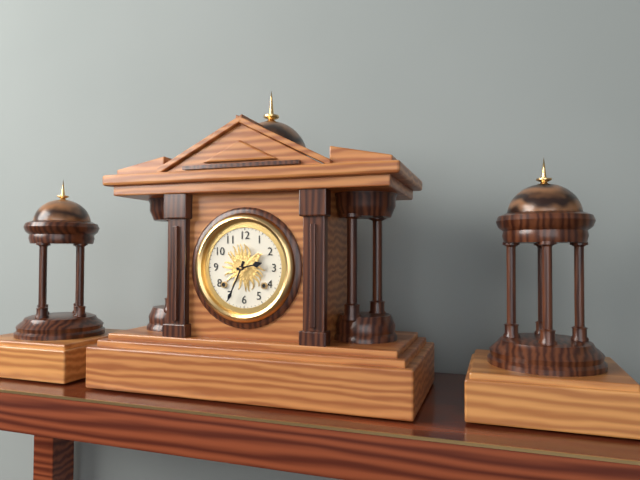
2 h 34 min
